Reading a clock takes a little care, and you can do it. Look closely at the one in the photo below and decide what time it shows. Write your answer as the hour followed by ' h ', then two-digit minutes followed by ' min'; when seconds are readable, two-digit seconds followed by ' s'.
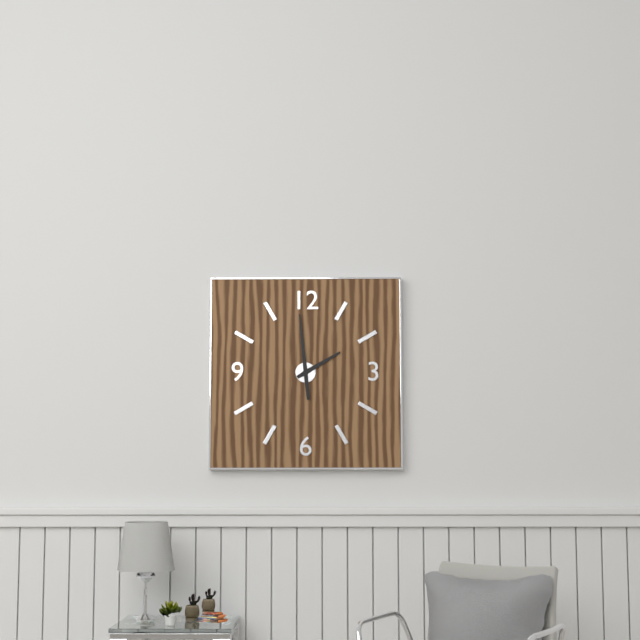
1 h 59 min
